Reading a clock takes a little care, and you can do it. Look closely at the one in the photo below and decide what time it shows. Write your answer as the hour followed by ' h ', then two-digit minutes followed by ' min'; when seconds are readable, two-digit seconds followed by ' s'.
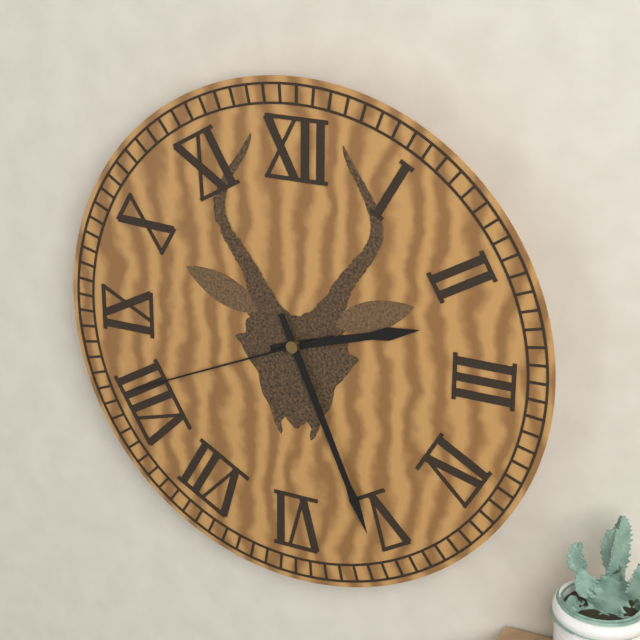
2 h 26 min 41 s
